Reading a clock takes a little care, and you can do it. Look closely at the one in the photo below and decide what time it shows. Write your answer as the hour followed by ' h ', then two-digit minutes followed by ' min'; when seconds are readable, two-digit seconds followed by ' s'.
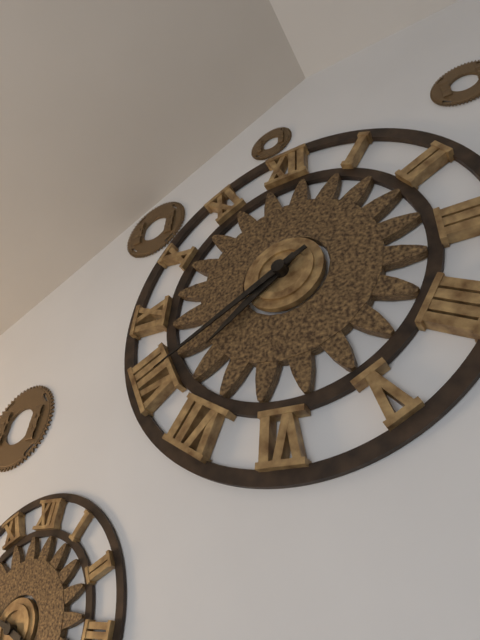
7 h 40 min
